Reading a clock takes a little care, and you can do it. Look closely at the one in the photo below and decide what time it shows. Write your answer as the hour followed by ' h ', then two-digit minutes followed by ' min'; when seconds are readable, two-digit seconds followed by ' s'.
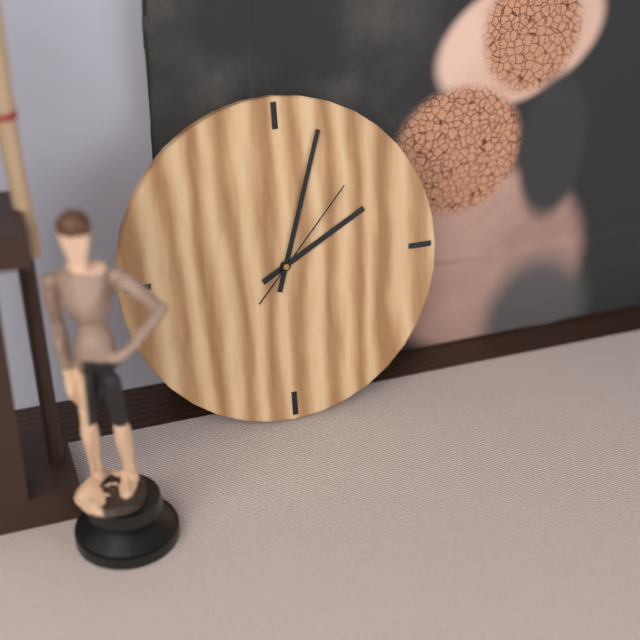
2 h 03 min 07 s
